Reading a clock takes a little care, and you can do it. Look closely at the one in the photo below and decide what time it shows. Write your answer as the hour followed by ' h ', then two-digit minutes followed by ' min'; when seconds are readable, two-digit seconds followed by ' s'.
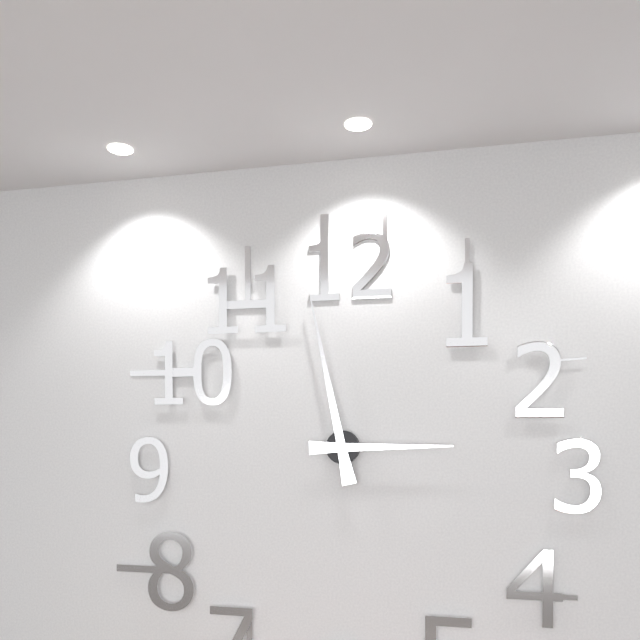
2 h 58 min
